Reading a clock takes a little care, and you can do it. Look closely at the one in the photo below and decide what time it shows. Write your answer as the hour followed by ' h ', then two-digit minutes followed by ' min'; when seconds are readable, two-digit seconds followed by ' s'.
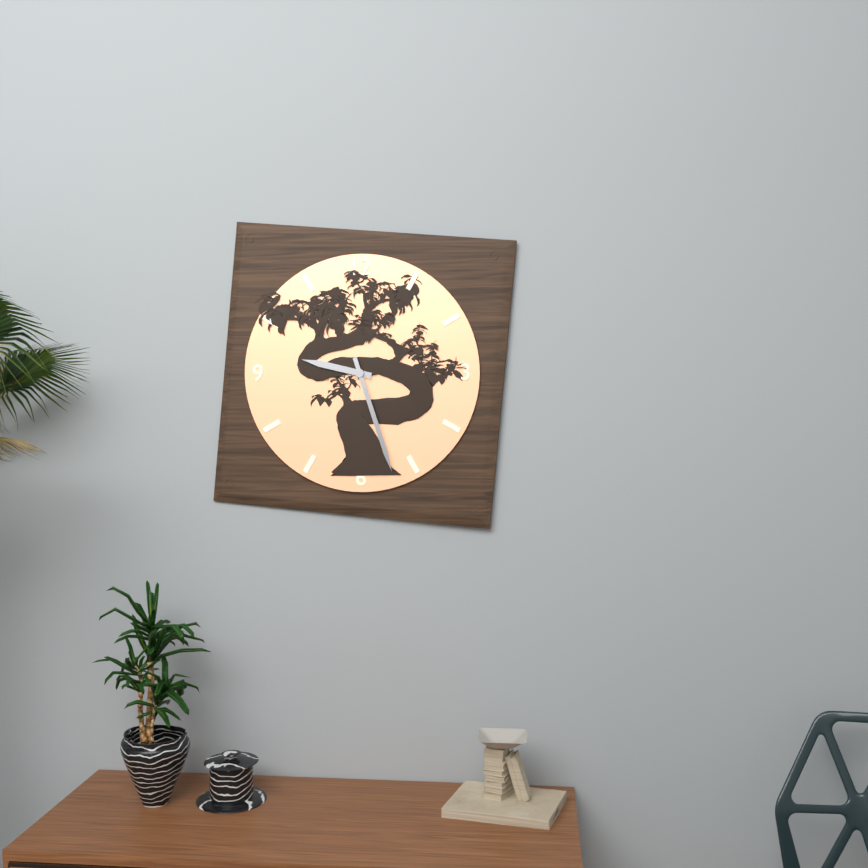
9 h 27 min
